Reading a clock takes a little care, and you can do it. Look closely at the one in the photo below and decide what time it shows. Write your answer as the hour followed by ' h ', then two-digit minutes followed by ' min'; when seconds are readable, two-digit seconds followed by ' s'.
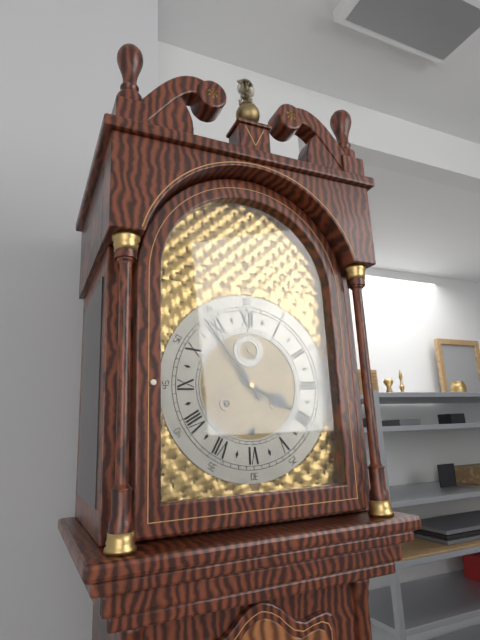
3 h 54 min
